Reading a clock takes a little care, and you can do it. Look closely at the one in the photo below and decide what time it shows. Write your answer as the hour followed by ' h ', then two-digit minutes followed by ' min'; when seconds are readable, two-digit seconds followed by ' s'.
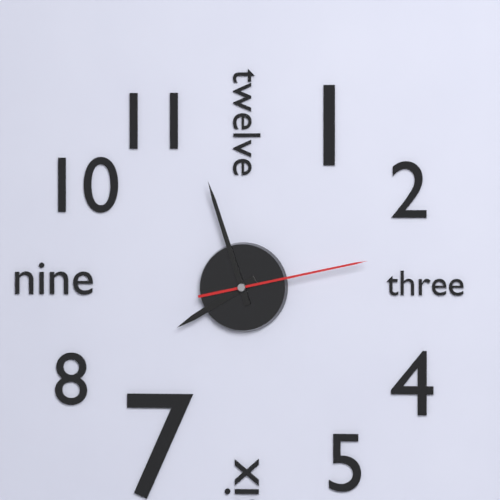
7 h 57 min 13 s
